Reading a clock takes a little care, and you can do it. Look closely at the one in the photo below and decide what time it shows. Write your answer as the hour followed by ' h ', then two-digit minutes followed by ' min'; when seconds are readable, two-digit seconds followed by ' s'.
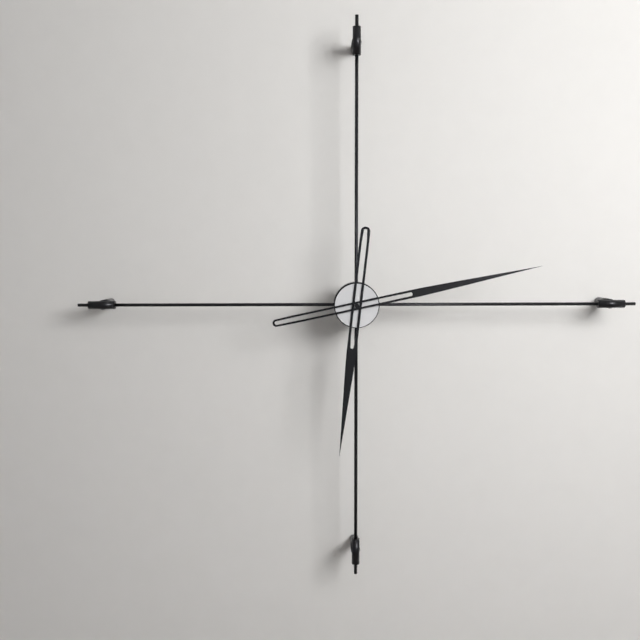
6 h 13 min
